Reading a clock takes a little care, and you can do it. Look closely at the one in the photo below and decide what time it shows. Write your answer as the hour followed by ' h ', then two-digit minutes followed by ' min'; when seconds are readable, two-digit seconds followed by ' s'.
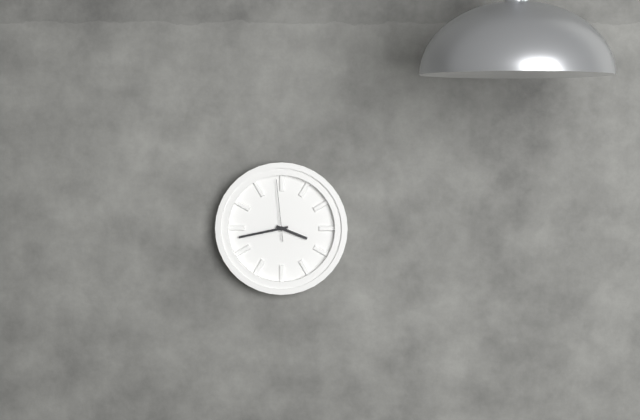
3 h 43 min 59 s
